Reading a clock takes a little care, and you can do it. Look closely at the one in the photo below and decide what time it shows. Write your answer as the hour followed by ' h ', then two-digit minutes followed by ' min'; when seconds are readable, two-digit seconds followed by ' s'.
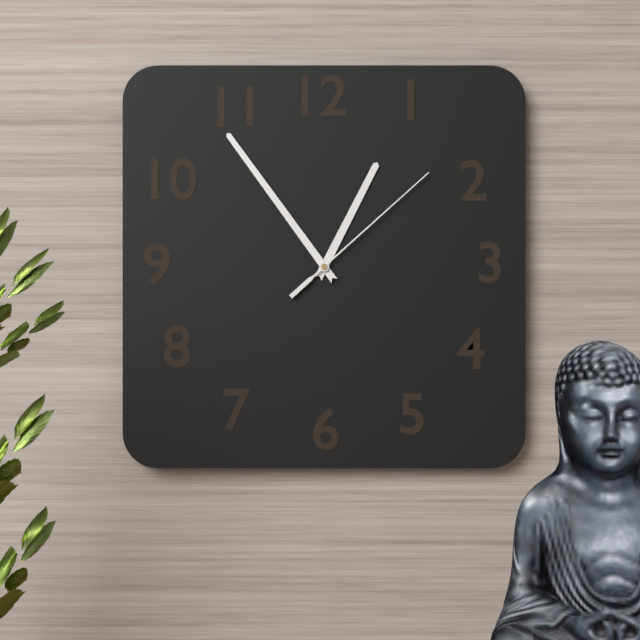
12 h 54 min 08 s
